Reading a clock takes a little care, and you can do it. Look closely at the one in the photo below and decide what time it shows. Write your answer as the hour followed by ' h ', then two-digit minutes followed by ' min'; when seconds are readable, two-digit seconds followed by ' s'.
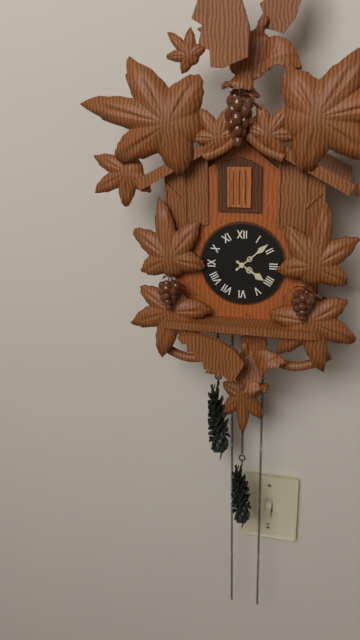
4 h 08 min
